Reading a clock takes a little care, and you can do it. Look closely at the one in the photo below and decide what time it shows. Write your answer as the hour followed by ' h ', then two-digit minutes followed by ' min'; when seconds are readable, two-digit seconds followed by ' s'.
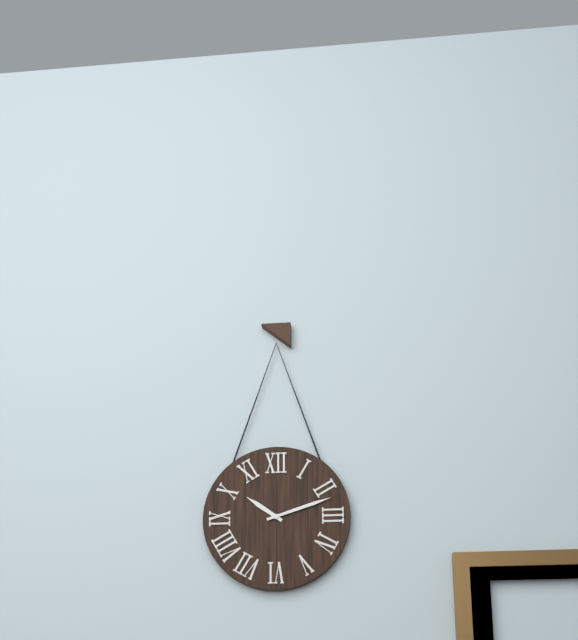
10 h 12 min
